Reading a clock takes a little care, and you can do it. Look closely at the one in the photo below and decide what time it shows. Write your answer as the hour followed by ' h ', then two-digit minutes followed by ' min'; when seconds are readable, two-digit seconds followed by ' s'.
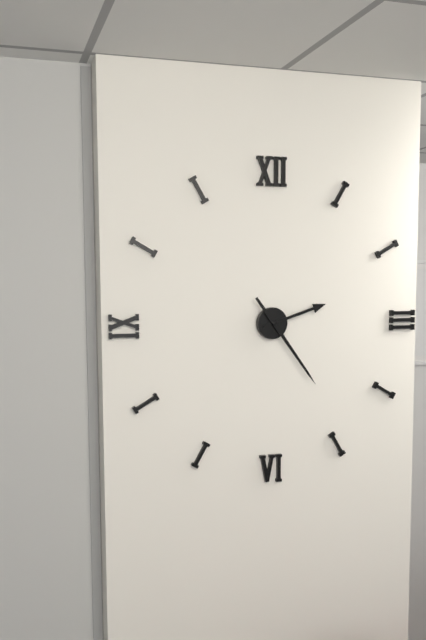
2 h 24 min
